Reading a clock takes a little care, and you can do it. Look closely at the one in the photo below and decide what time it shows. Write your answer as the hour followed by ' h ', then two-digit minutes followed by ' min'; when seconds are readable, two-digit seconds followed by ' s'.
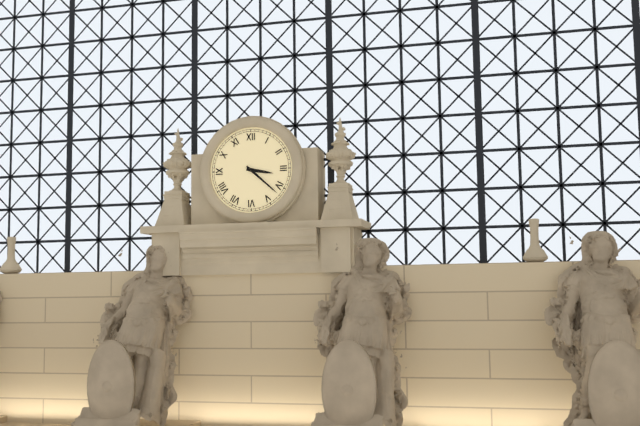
3 h 22 min
